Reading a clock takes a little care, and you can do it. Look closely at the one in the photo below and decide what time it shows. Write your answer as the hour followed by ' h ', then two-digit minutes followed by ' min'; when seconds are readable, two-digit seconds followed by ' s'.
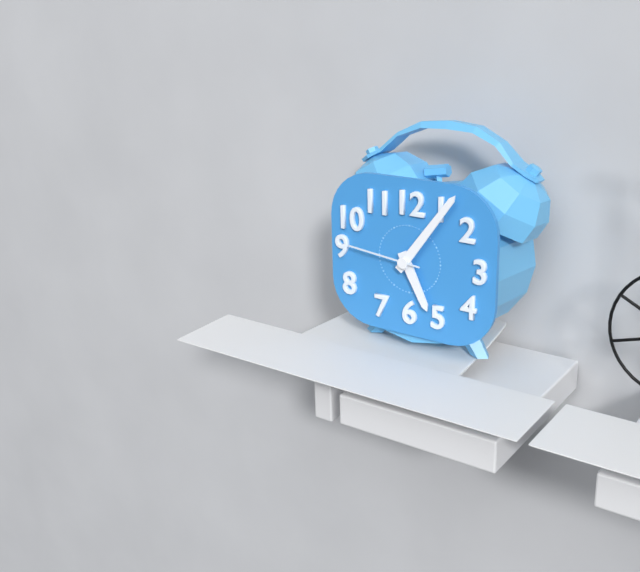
5 h 06 min 46 s
